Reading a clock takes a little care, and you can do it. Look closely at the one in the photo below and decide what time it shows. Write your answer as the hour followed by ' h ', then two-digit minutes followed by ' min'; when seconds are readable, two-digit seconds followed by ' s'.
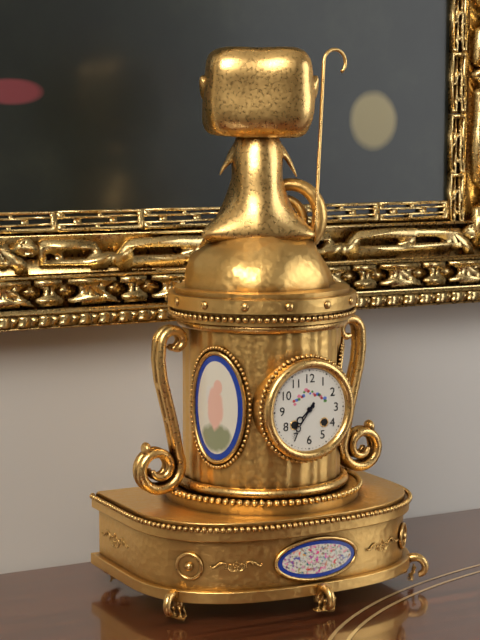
7 h 36 min
